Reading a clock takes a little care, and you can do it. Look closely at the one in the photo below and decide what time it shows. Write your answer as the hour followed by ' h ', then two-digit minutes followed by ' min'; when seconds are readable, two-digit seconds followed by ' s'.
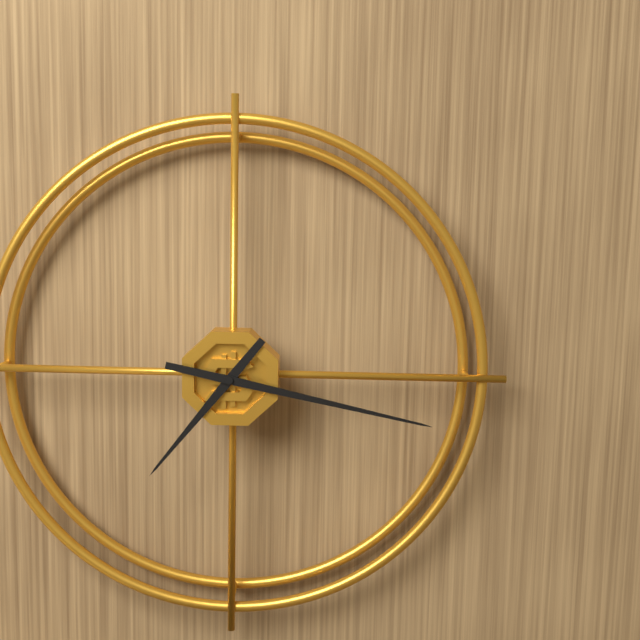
7 h 17 min
